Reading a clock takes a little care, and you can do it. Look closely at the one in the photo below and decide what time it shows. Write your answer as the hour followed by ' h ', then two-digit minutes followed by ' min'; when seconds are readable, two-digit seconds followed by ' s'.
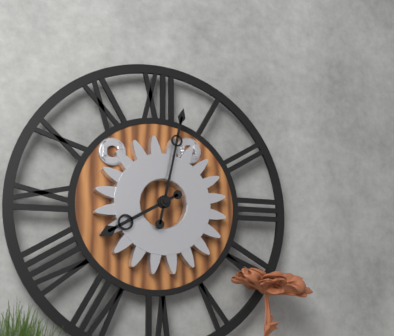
8 h 02 min
